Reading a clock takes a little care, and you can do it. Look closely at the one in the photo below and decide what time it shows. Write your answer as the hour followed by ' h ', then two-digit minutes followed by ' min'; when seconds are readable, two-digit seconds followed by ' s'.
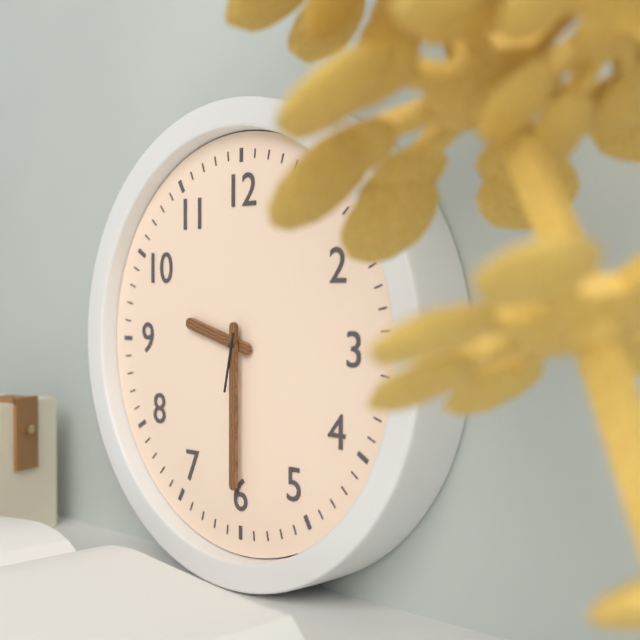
9 h 30 min 32 s
